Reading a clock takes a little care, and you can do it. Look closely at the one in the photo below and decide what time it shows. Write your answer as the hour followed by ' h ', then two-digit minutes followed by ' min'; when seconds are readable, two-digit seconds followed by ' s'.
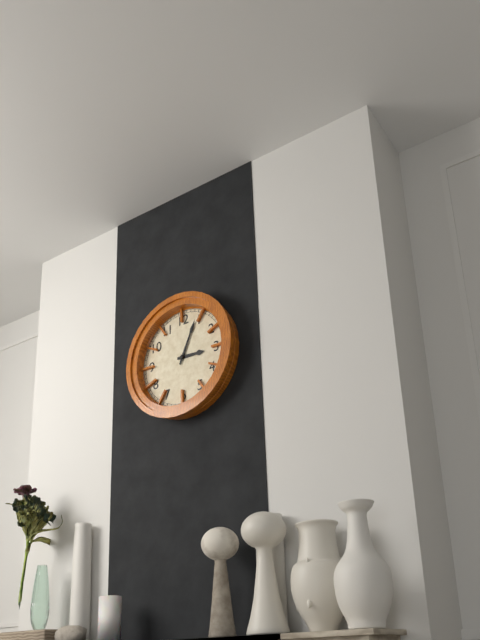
3 h 04 min
